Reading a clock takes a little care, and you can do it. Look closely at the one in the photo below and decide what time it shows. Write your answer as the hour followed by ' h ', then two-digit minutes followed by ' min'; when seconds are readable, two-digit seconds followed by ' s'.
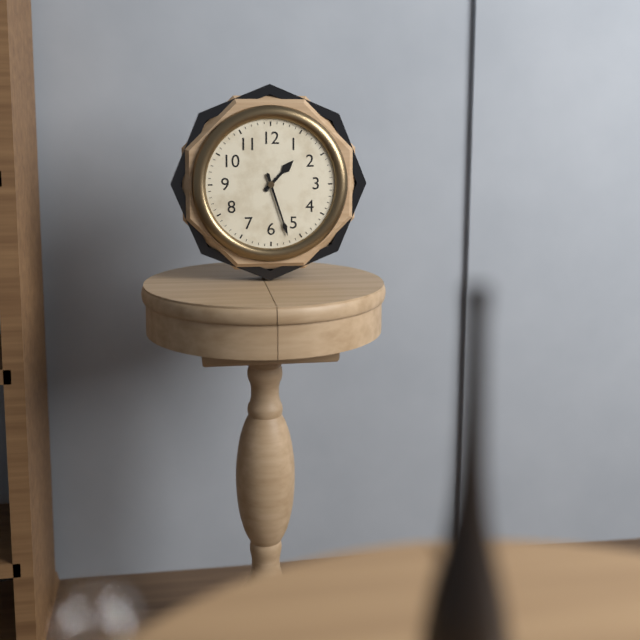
1 h 27 min
